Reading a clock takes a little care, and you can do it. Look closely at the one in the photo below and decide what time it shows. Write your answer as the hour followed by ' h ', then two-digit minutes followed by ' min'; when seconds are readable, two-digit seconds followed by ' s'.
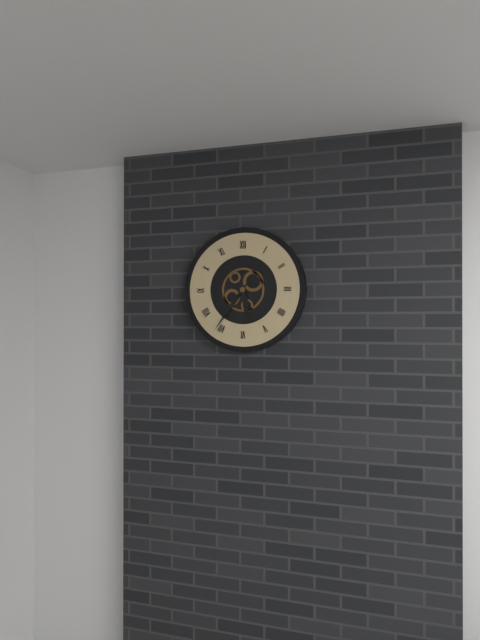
5 h 36 min
